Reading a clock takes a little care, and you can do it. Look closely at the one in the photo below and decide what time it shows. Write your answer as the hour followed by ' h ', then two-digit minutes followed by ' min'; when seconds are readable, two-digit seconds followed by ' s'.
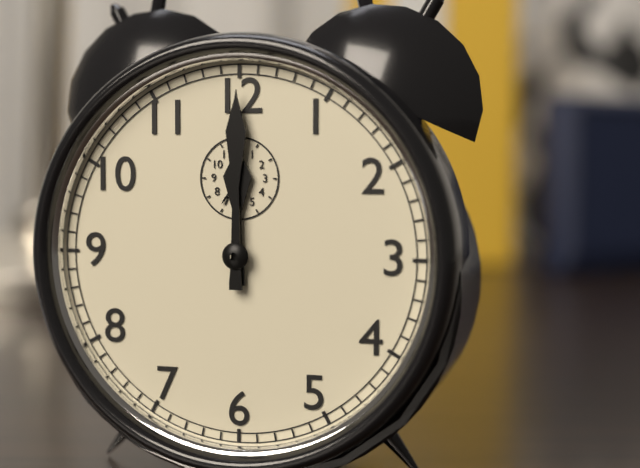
12 h 00 min
